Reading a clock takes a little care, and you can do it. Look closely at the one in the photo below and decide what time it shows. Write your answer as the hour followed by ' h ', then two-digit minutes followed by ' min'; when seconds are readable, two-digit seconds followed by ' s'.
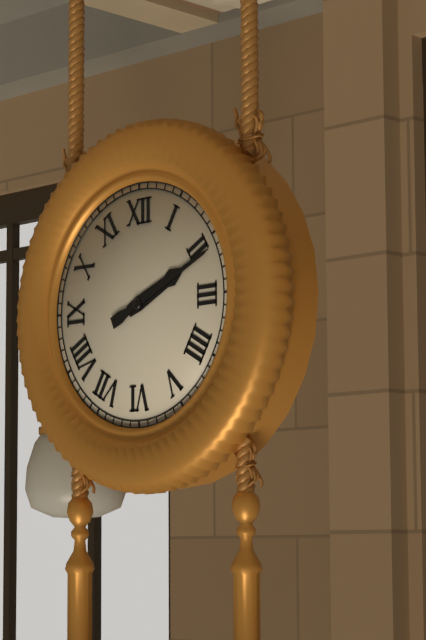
2 h 11 min
